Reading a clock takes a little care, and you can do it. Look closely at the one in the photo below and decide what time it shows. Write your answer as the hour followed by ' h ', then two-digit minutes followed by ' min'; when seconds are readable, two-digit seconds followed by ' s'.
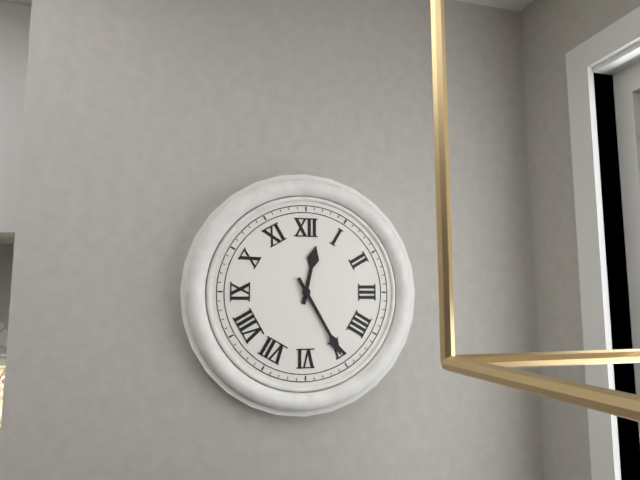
12 h 25 min
